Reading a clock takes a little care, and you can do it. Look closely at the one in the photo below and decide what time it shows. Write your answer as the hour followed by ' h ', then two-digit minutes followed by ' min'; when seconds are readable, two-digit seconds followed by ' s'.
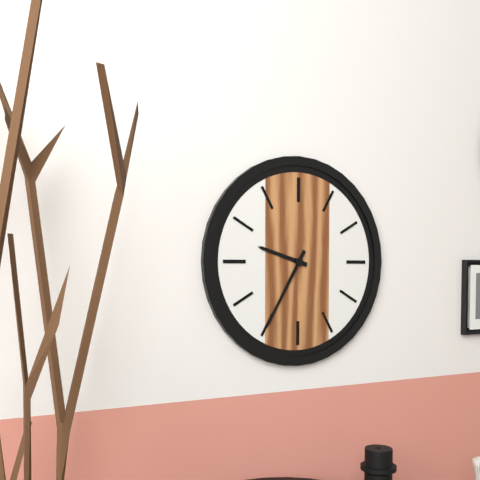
9 h 35 min
